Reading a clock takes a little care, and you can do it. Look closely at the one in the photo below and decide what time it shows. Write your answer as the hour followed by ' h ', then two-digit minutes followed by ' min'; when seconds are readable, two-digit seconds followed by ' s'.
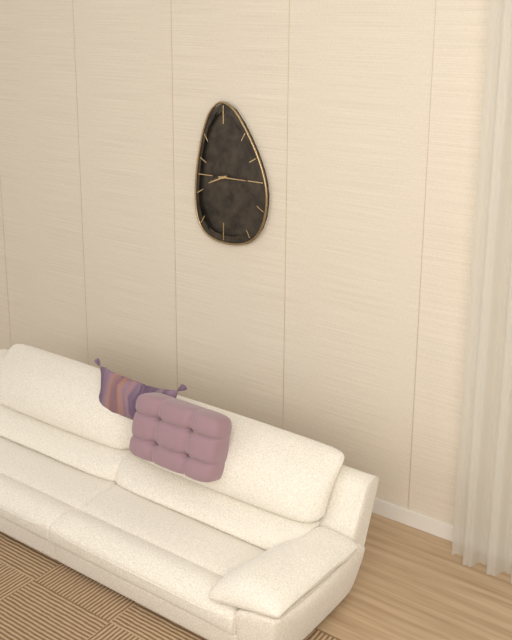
8 h 15 min
